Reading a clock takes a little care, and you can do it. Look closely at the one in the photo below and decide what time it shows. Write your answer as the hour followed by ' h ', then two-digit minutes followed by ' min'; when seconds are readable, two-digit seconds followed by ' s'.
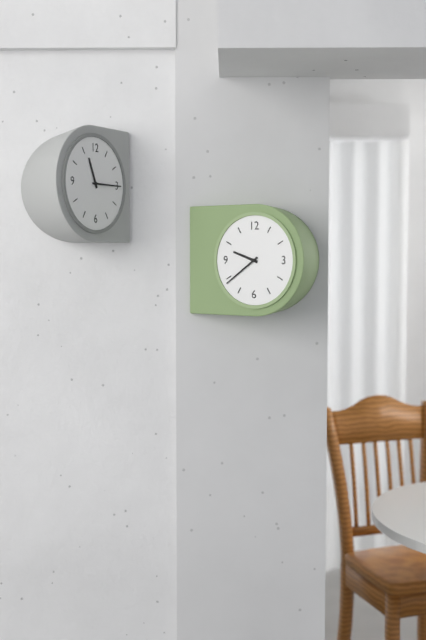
9 h 39 min
